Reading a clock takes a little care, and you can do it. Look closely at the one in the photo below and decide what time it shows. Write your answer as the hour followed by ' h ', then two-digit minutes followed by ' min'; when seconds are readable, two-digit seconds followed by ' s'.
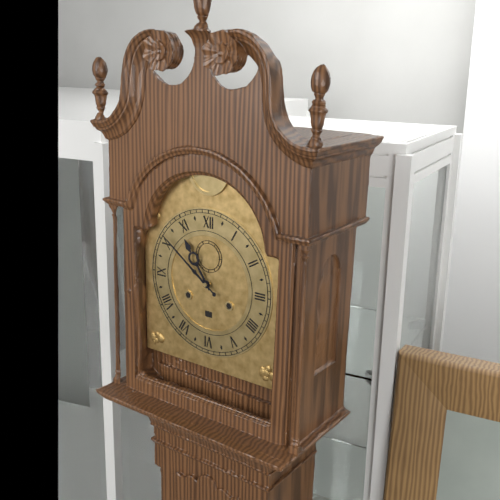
10 h 51 min
